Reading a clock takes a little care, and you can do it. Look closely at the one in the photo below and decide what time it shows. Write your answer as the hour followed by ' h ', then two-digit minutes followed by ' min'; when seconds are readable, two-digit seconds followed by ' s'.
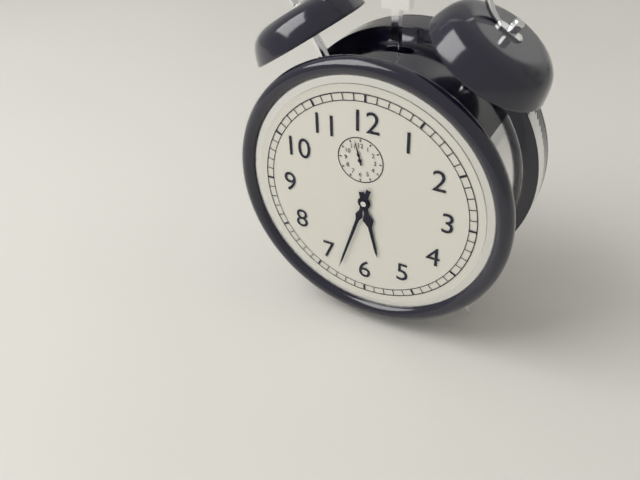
5 h 33 min
